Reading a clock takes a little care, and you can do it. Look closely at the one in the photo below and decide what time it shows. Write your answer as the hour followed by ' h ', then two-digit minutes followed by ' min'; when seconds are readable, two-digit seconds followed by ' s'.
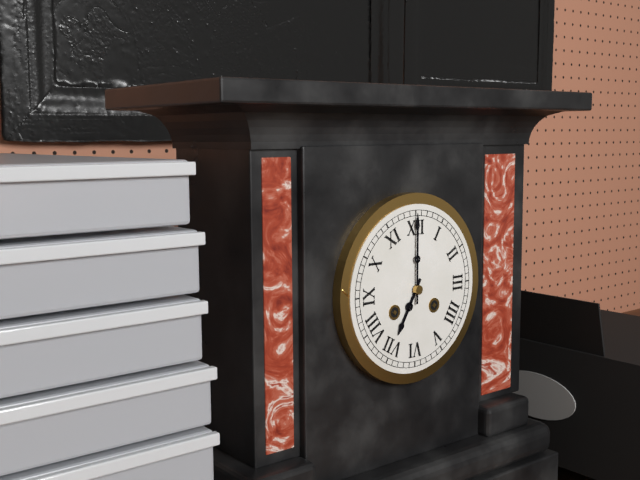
7 h 00 min
